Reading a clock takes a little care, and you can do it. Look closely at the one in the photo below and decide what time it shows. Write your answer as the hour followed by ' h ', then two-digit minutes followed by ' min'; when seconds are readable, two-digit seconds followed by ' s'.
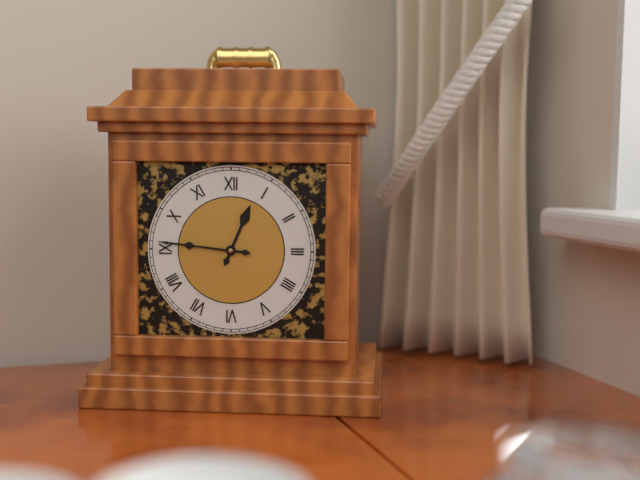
12 h 46 min
